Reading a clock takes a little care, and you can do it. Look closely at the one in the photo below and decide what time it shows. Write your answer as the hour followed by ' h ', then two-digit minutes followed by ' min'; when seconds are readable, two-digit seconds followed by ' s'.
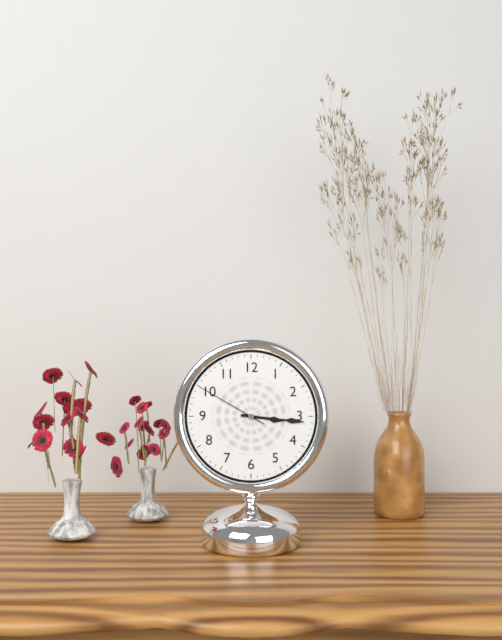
3 h 16 min 50 s
